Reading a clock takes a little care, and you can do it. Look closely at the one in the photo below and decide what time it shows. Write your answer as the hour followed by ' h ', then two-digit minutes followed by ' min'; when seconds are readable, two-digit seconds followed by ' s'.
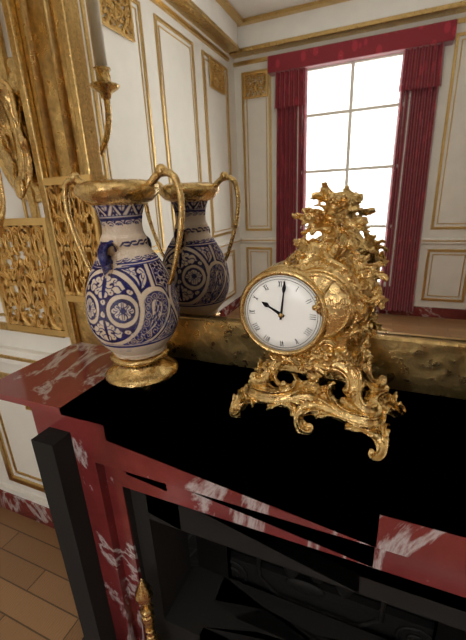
10 h 01 min
